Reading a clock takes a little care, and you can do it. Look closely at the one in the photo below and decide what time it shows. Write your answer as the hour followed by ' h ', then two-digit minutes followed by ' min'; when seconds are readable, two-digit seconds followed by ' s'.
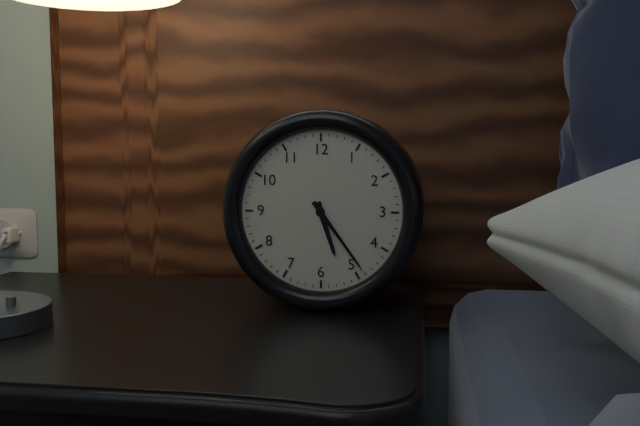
5 h 24 min
